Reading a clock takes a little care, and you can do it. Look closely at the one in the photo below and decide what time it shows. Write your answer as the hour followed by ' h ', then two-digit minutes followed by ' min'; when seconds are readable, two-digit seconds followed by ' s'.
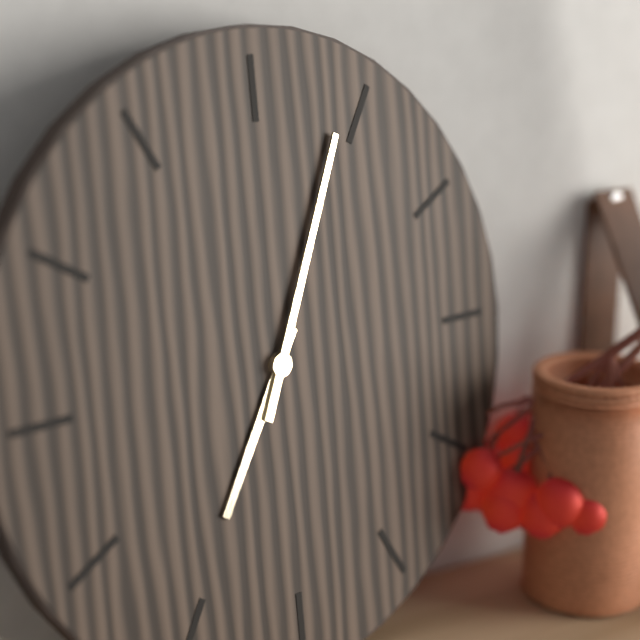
7 h 04 min
